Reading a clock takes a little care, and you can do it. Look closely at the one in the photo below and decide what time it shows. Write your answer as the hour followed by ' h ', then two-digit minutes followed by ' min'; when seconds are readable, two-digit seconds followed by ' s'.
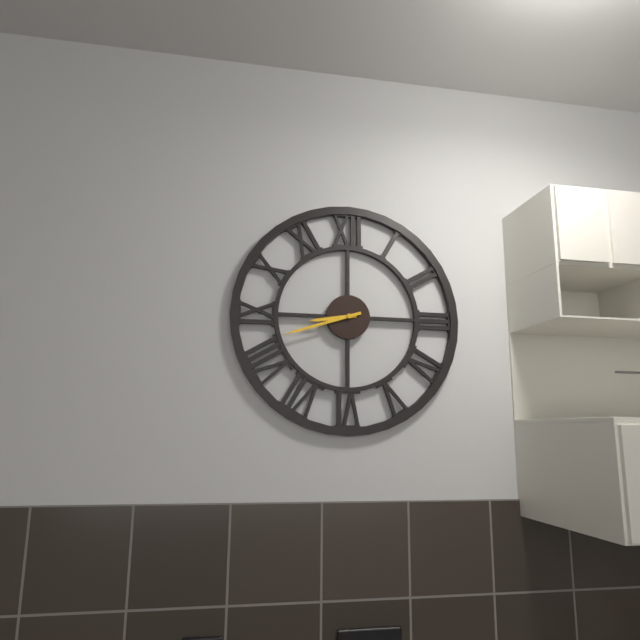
8 h 42 min
